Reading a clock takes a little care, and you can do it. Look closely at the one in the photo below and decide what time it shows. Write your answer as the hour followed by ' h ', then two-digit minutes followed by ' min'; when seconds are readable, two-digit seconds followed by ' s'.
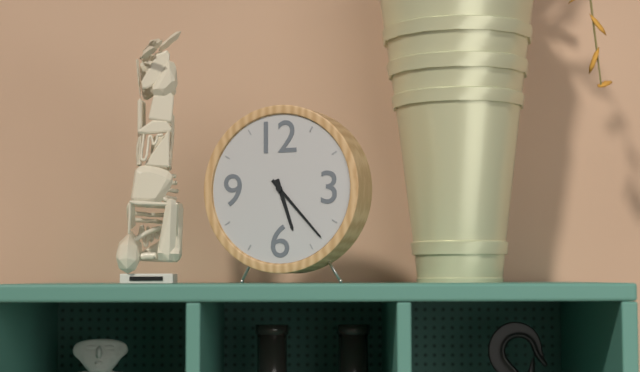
5 h 23 min
